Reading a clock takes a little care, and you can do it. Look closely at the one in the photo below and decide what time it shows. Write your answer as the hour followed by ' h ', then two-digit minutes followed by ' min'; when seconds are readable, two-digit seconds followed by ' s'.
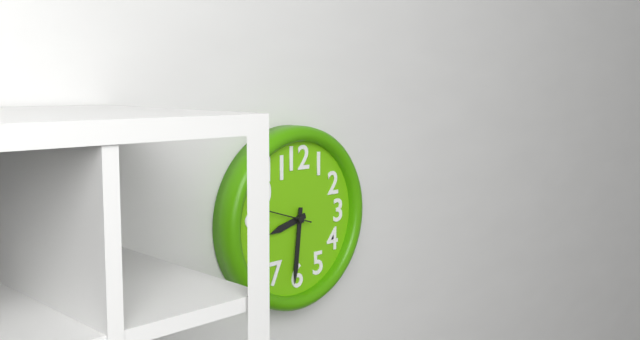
8 h 31 min
